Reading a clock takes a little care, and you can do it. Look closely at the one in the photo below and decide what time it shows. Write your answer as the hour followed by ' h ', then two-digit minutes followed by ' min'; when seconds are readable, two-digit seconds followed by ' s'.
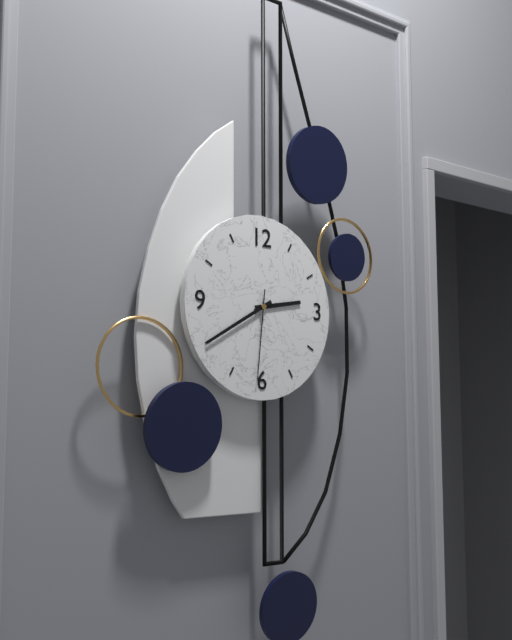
2 h 40 min 31 s
